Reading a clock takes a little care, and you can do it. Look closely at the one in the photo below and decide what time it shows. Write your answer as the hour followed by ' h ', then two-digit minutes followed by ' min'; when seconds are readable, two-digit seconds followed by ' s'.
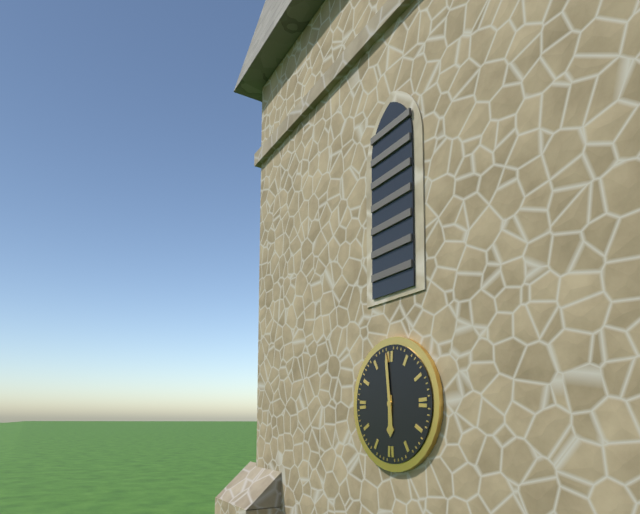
5 h 59 min
